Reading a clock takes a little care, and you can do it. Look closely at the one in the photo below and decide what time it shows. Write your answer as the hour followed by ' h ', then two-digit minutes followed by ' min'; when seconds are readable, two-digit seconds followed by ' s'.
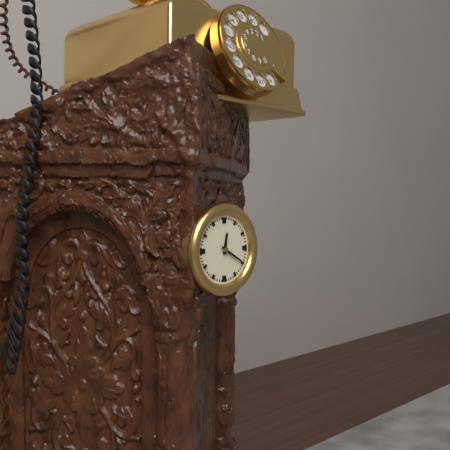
12 h 20 min
